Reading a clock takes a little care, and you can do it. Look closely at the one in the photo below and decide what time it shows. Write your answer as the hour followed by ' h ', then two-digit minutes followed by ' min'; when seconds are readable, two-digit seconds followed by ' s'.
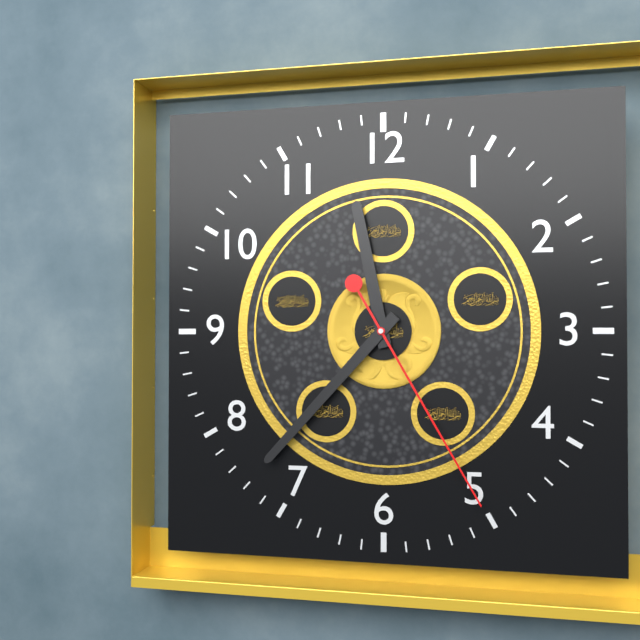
11 h 37 min 25 s
